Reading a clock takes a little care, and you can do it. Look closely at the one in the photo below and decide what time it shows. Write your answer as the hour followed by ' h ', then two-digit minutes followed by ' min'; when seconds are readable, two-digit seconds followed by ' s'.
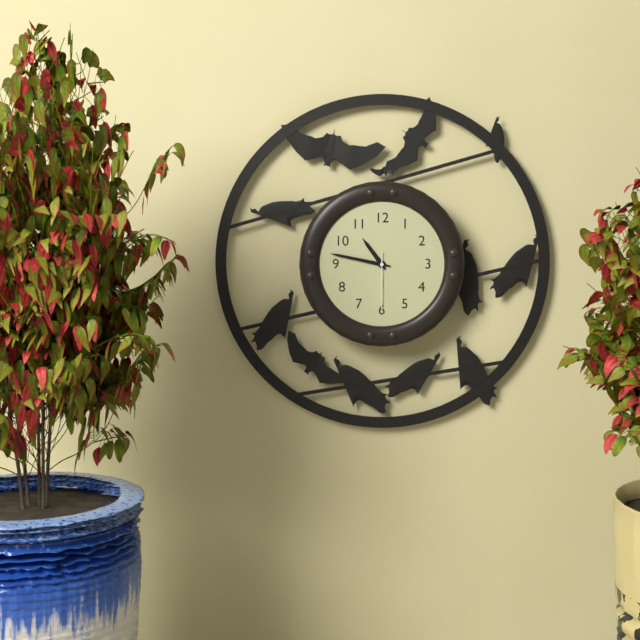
10 h 47 min 30 s
